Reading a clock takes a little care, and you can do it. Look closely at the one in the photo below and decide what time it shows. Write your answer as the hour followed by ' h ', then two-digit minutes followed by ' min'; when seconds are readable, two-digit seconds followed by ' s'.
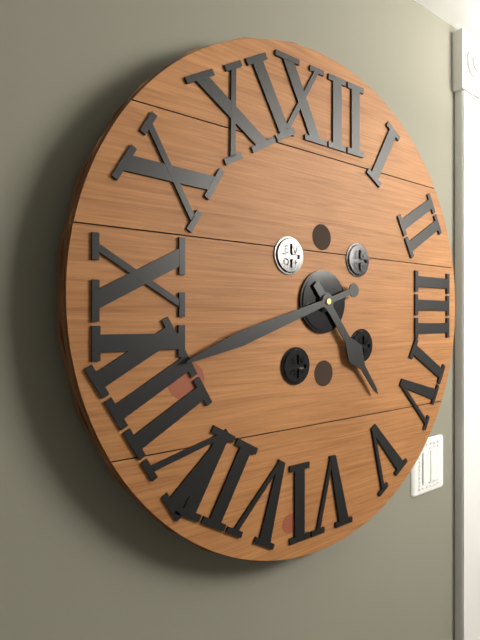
4 h 42 min
